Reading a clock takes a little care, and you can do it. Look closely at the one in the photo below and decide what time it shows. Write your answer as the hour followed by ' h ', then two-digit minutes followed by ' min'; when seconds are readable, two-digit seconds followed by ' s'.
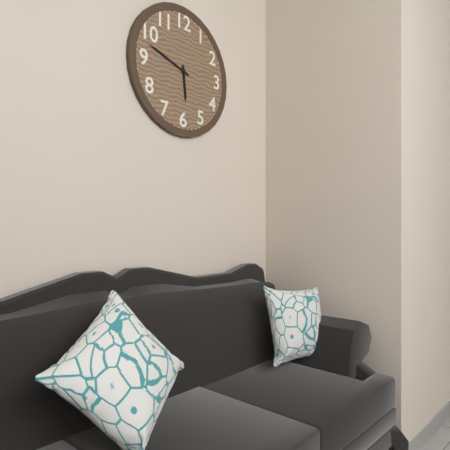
5 h 48 min
